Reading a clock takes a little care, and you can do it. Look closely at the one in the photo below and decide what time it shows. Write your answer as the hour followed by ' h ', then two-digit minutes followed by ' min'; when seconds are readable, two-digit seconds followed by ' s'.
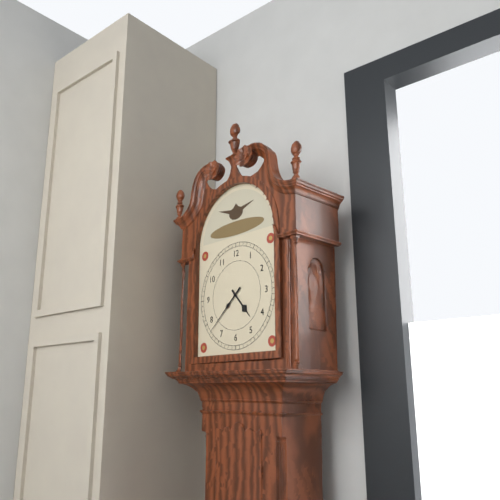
4 h 38 min
